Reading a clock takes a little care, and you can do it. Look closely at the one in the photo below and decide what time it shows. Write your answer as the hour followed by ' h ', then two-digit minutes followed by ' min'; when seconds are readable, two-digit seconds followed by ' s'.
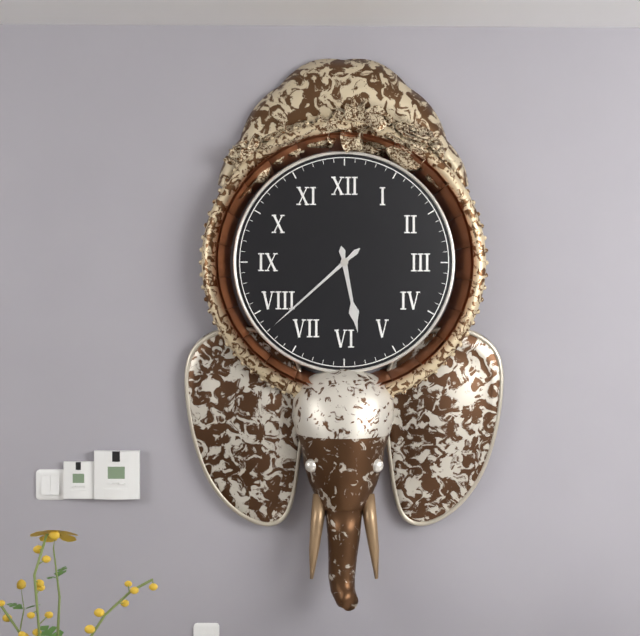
5 h 38 min
